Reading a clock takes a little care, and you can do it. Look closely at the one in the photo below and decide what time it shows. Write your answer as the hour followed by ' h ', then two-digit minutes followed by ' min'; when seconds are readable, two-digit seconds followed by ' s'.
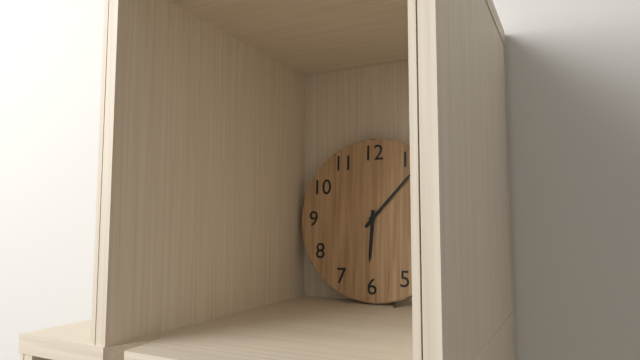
6 h 07 min
